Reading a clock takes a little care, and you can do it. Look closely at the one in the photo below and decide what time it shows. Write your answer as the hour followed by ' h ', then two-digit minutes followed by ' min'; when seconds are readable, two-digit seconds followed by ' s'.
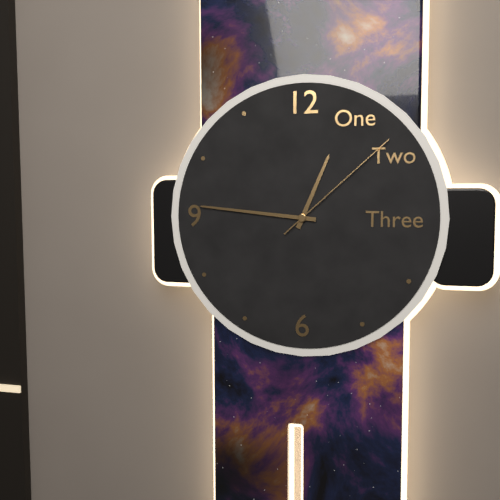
12 h 46 min 08 s
